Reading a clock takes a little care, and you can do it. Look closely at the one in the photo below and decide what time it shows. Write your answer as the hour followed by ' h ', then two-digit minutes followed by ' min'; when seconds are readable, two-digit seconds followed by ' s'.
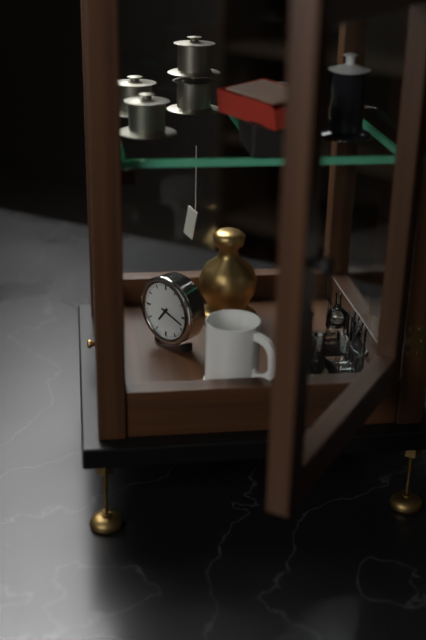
7 h 18 min
